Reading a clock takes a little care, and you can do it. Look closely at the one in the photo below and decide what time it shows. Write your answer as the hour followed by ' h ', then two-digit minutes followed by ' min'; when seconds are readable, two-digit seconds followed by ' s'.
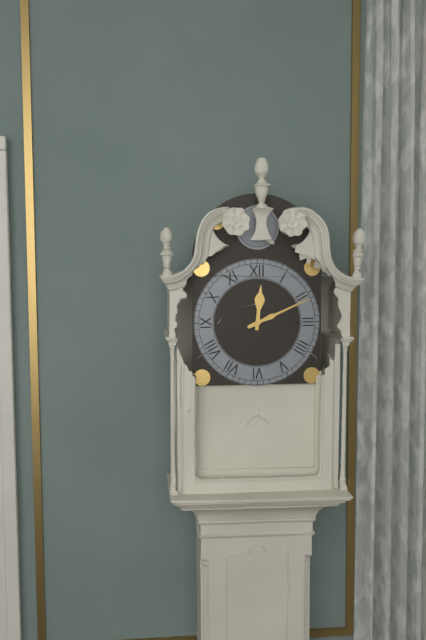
12 h 11 min
